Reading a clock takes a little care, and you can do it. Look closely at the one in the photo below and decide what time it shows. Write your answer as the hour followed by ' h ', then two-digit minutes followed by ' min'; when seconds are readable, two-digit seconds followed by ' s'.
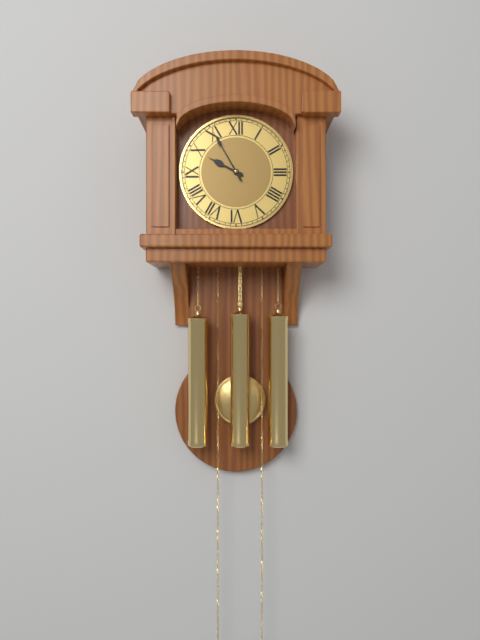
9 h 55 min
